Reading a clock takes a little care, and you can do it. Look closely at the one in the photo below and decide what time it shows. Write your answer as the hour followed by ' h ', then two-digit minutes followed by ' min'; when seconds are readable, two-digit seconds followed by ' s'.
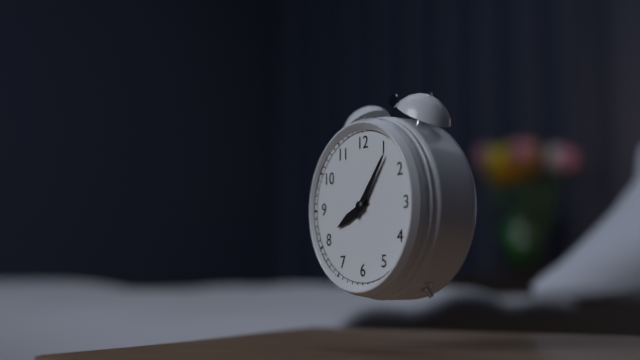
8 h 06 min
